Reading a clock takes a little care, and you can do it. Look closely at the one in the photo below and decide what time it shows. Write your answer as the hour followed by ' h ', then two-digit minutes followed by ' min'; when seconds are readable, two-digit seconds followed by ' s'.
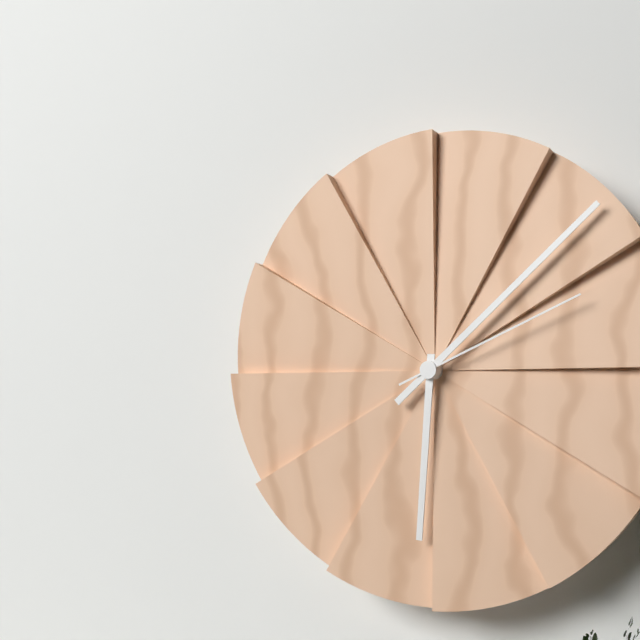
6 h 08 min 11 s
